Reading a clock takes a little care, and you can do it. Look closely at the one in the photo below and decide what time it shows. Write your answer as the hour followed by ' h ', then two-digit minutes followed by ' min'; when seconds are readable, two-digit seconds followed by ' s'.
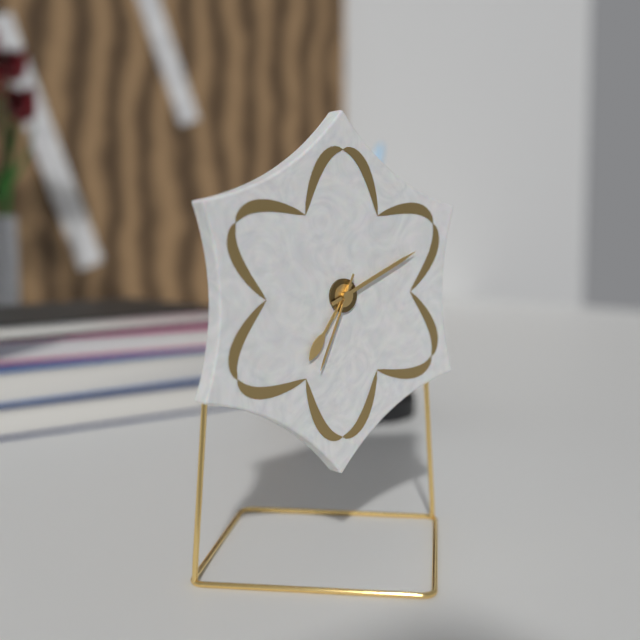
7 h 11 min 34 s
